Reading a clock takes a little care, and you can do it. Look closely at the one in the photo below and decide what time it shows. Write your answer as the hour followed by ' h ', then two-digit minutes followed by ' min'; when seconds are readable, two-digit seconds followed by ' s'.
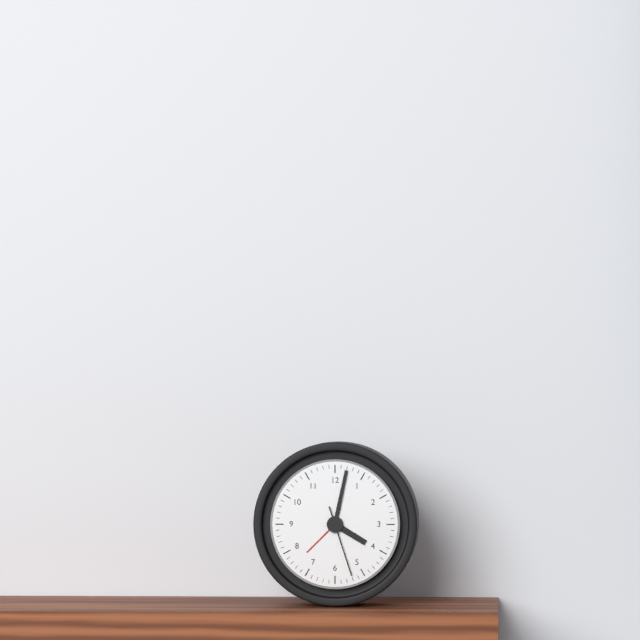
4 h 02 min 27 s
